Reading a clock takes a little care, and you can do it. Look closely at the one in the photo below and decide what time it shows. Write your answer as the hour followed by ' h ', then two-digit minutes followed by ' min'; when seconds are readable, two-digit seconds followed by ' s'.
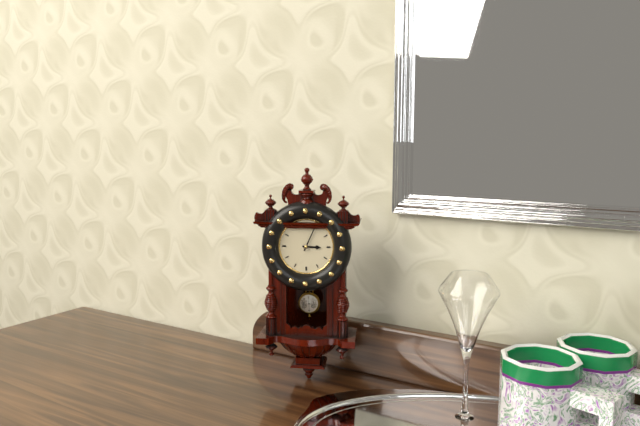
3 h 04 min
